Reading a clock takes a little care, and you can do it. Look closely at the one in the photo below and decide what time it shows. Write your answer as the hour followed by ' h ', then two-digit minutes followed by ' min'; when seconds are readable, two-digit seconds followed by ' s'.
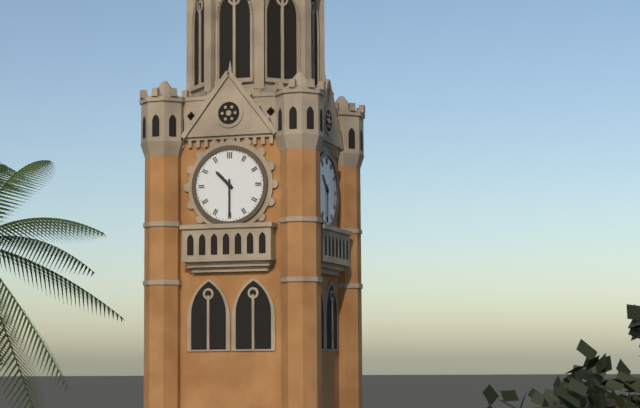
10 h 30 min
